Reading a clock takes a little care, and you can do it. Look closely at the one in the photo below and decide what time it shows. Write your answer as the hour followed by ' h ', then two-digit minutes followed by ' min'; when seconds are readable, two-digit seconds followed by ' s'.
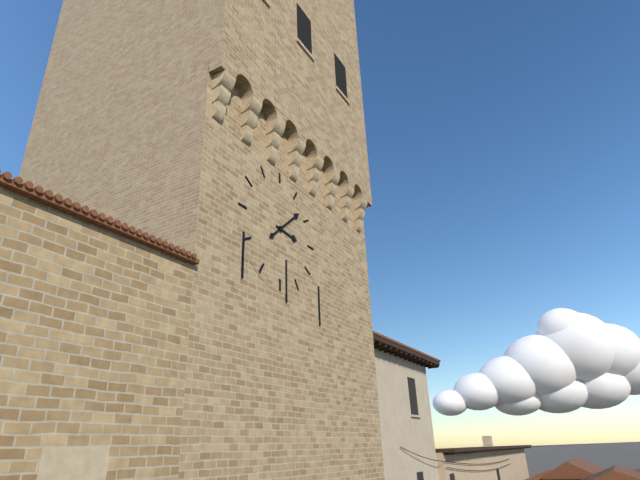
3 h 08 min
